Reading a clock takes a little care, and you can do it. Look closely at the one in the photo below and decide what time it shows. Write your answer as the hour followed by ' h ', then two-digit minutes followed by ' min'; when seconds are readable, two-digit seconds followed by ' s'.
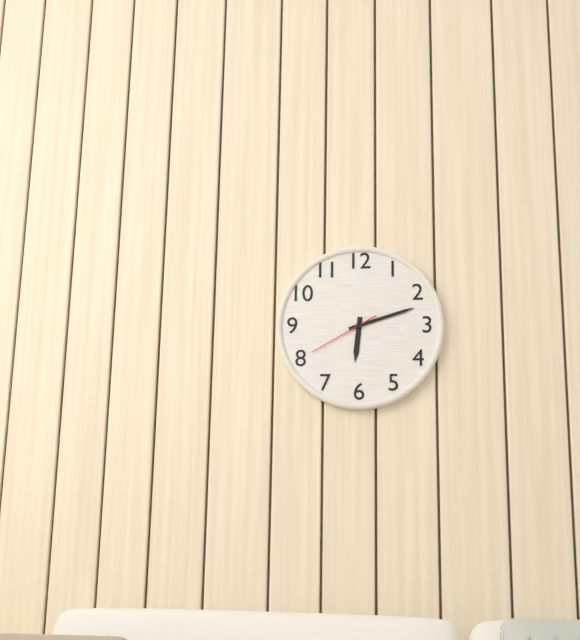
6 h 12 min 40 s
